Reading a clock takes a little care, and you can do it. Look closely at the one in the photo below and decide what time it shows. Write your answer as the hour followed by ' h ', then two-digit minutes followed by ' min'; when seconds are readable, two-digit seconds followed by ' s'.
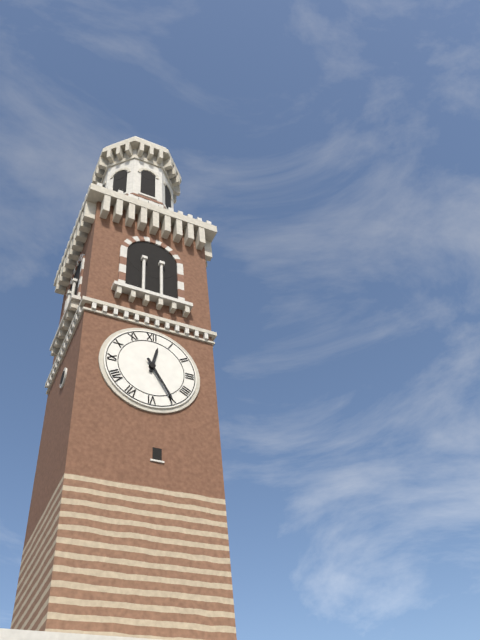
12 h 25 min
